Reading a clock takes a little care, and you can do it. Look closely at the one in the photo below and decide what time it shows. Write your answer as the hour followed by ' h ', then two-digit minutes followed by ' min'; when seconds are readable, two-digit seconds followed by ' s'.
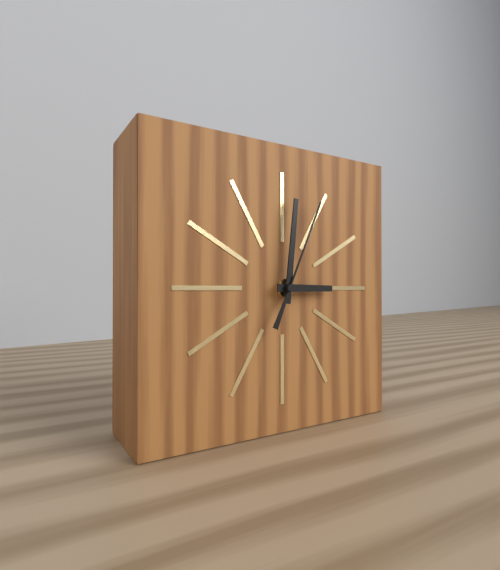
3 h 01 min 04 s
